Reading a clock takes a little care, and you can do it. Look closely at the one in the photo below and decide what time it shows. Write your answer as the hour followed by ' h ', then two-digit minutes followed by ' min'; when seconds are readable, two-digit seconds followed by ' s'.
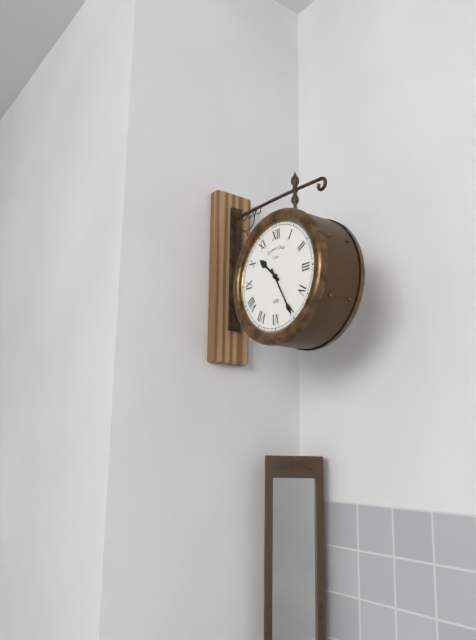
10 h 25 min
